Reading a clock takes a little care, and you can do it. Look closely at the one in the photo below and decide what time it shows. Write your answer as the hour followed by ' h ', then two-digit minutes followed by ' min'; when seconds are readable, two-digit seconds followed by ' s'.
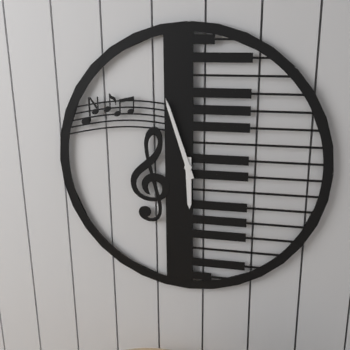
5 h 57 min
